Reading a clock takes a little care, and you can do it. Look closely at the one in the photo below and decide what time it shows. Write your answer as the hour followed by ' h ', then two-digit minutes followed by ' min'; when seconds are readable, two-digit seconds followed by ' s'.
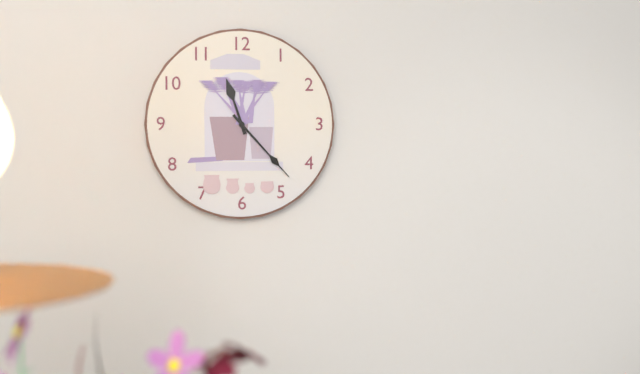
11 h 23 min
